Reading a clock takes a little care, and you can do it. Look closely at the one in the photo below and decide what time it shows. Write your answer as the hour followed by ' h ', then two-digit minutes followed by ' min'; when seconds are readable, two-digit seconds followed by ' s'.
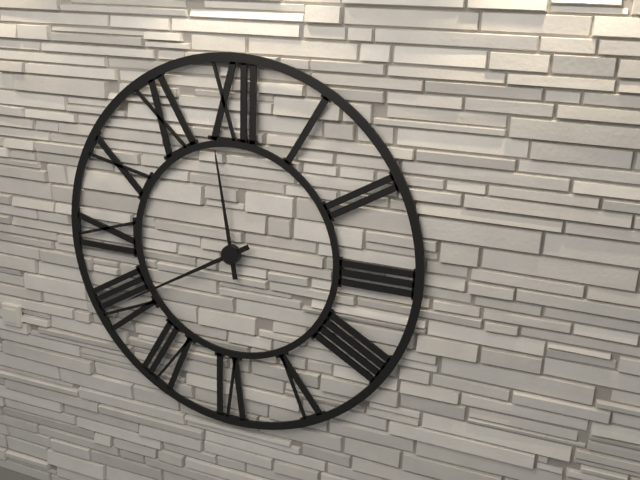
11 h 40 min
